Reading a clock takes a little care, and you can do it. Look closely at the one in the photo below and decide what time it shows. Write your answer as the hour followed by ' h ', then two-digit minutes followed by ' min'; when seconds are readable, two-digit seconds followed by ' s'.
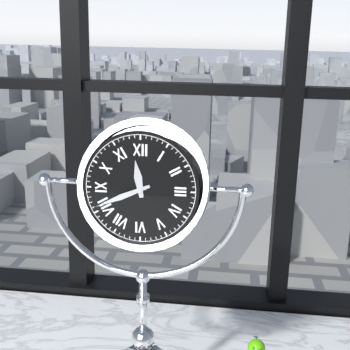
11 h 41 min
